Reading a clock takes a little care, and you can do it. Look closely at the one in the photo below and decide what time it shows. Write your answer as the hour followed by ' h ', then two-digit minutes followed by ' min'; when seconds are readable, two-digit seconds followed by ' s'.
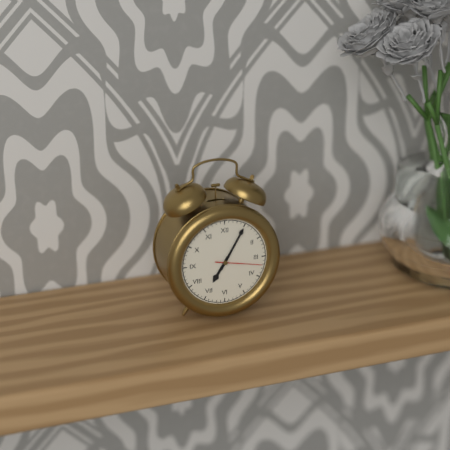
7 h 05 min
